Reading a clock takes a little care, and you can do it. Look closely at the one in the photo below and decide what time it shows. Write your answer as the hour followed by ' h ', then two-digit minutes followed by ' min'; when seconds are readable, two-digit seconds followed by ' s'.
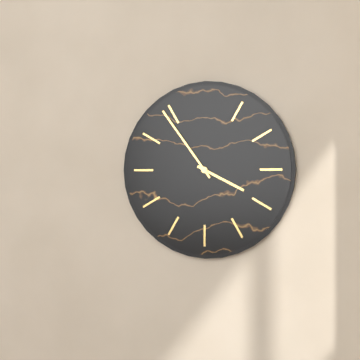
3 h 54 min
